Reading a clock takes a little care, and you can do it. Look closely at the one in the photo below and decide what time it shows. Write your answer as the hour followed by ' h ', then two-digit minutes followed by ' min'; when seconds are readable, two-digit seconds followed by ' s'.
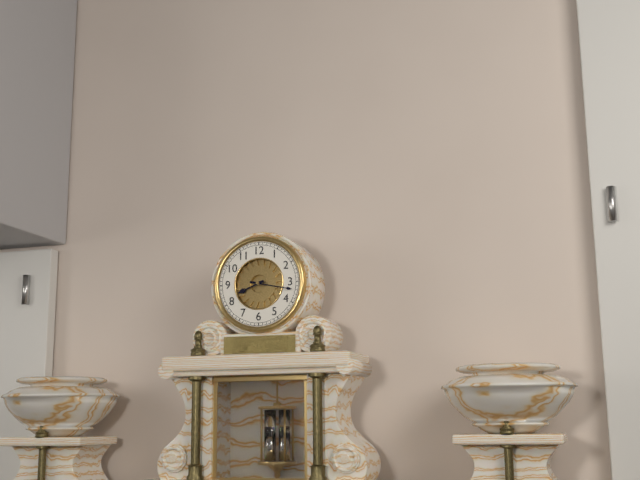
8 h 17 min
